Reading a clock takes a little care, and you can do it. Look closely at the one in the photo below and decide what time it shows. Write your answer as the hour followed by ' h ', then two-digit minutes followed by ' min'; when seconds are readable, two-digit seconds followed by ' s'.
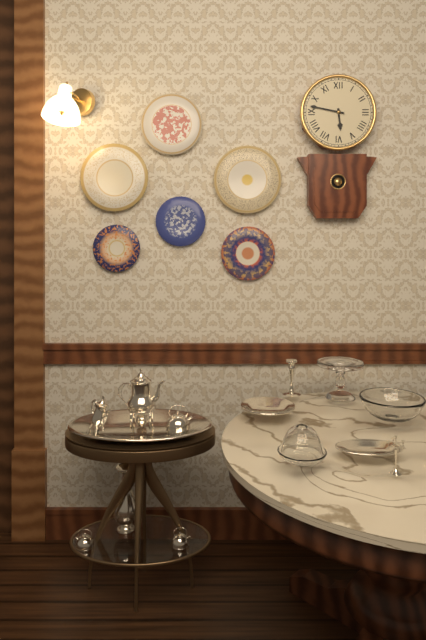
5 h 47 min
